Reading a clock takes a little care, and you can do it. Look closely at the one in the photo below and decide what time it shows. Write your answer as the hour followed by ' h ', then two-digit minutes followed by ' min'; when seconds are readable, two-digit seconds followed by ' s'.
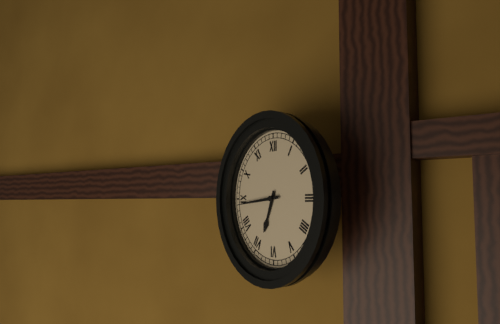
6 h 44 min
